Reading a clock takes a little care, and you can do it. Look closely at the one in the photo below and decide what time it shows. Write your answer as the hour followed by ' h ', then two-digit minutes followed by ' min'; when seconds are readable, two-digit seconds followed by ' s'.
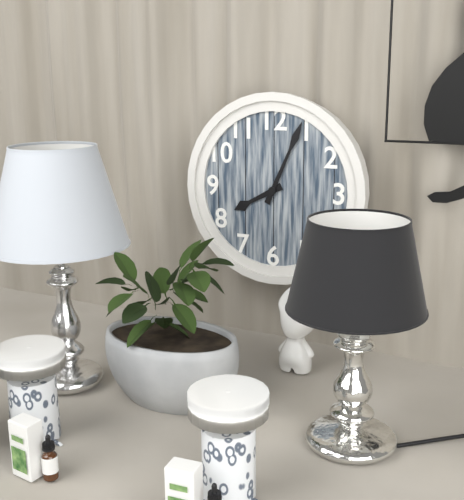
8 h 04 min
